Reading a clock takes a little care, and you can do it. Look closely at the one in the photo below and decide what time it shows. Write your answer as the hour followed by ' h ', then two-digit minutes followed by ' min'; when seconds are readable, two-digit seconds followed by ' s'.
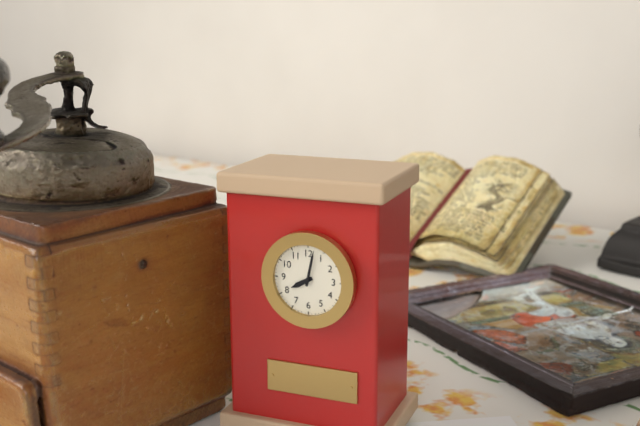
8 h 02 min
